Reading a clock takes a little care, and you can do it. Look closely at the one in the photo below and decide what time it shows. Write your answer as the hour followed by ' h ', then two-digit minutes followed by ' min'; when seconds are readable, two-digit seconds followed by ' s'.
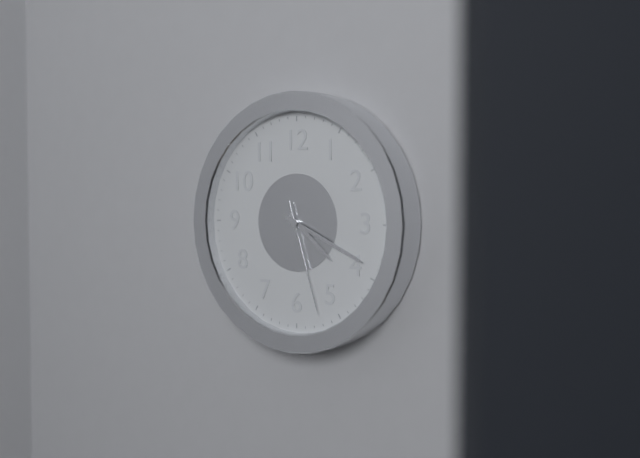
4 h 19 min 27 s
